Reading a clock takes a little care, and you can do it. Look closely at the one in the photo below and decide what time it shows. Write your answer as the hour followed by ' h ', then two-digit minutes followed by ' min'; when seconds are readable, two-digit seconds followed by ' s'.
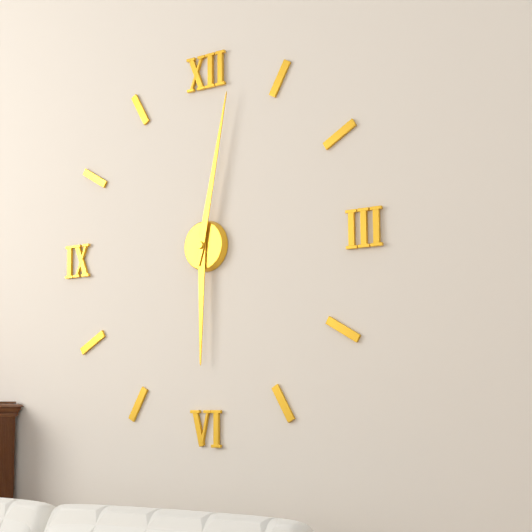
6 h 02 min
